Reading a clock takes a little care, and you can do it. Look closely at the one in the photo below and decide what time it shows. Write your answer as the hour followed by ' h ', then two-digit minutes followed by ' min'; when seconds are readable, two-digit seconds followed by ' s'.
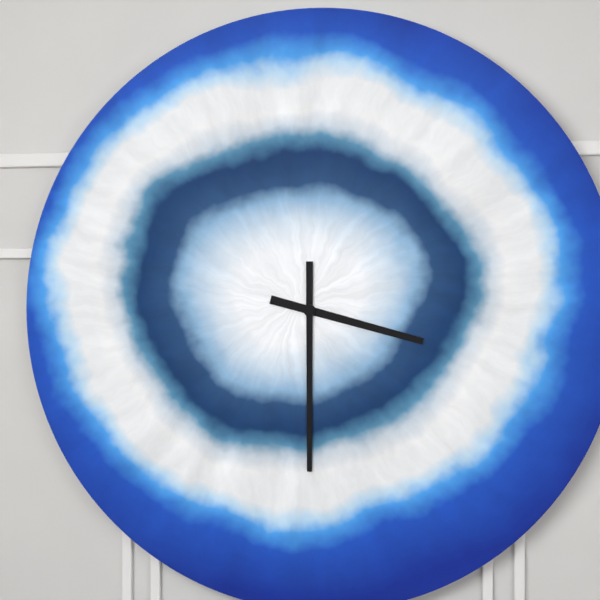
3 h 30 min
